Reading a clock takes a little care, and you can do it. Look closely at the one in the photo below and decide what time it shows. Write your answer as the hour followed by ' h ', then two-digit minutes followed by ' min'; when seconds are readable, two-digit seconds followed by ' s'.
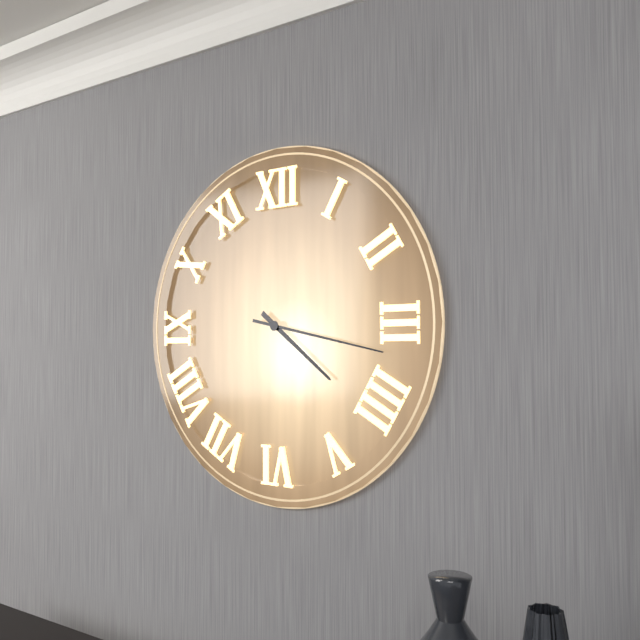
4 h 17 min
